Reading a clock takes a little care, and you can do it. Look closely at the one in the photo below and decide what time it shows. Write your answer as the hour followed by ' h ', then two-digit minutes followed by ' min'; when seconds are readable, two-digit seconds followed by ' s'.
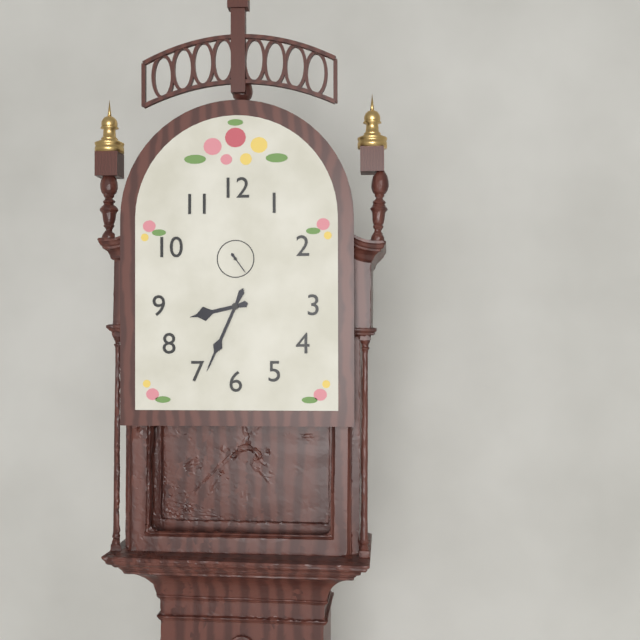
8 h 34 min
